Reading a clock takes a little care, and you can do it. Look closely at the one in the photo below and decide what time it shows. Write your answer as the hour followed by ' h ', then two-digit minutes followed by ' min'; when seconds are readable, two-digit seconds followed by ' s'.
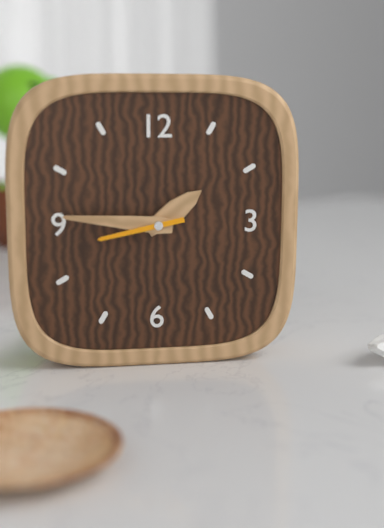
1 h 46 min 43 s
